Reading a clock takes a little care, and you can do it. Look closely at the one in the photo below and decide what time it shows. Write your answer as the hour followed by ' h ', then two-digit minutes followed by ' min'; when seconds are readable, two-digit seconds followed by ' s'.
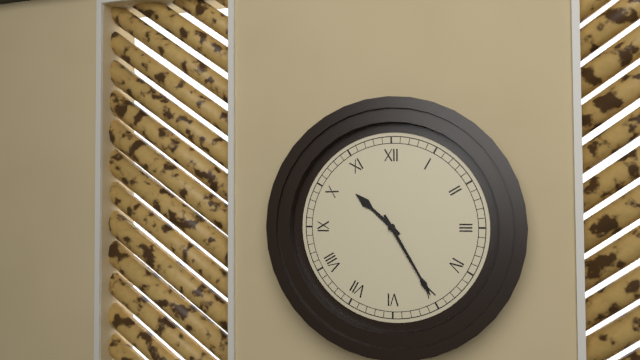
10 h 25 min
